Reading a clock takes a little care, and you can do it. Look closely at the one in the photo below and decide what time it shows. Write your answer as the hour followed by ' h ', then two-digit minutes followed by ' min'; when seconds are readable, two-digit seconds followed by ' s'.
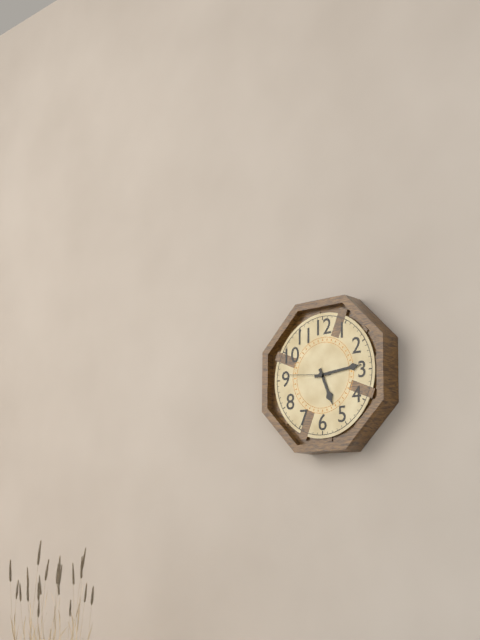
5 h 14 min
